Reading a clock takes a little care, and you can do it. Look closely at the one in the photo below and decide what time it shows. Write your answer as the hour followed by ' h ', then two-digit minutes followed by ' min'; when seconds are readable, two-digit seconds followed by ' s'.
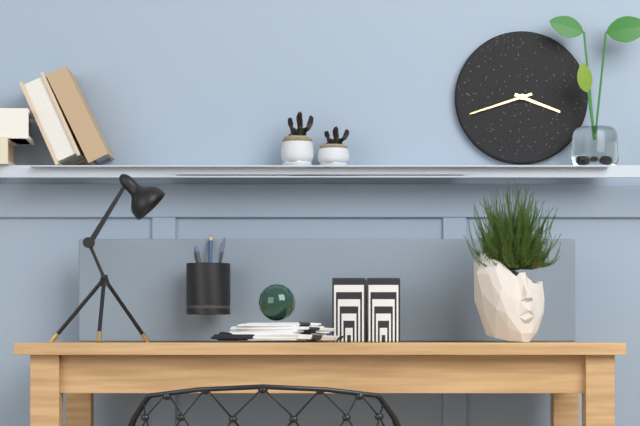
3 h 42 min
